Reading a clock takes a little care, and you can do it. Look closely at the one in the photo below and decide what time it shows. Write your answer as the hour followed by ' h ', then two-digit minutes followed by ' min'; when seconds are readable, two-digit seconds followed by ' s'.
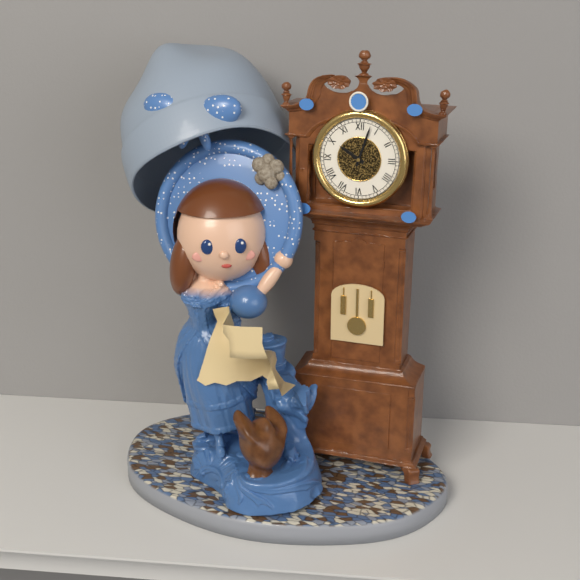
10 h 03 min
